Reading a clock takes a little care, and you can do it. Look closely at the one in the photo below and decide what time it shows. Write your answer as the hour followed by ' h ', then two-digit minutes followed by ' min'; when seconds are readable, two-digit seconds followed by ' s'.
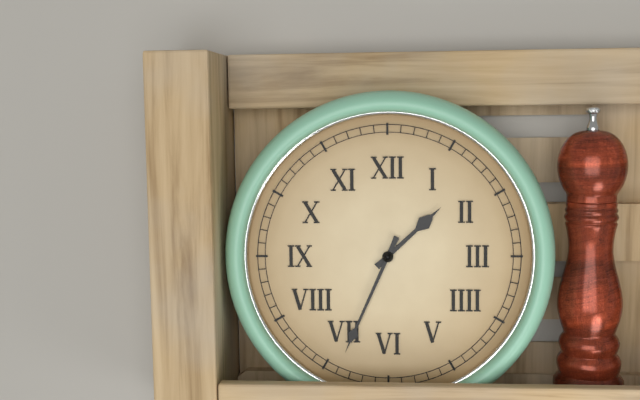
1 h 34 min
